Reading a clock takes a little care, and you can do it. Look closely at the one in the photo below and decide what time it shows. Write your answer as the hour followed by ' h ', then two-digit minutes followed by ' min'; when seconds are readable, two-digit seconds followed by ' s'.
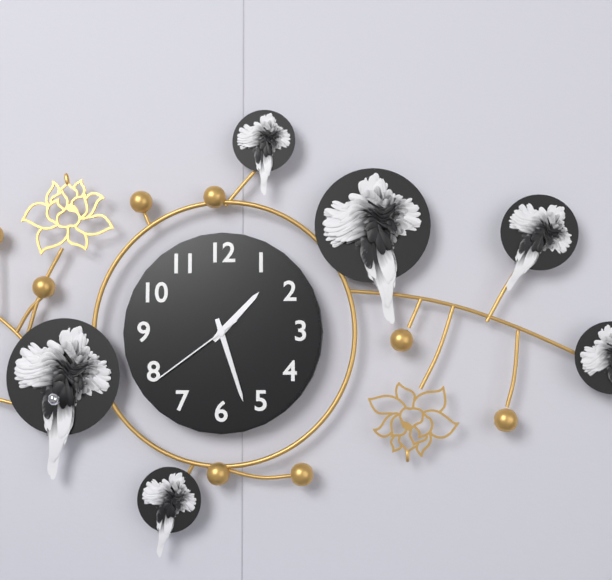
1 h 27 min 39 s
